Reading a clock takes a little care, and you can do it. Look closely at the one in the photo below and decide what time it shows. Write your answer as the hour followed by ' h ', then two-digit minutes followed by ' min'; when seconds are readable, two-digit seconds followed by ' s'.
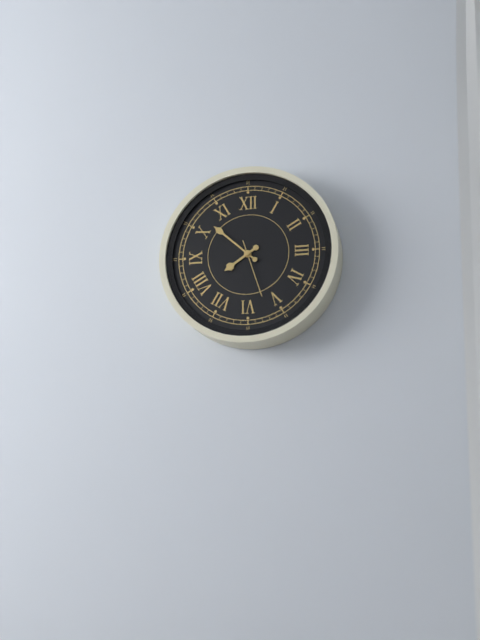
7 h 52 min 27 s
